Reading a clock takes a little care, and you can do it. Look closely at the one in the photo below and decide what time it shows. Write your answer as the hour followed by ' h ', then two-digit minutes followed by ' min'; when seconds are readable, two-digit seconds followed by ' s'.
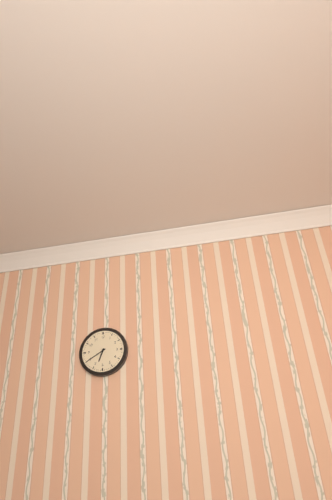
6 h 40 min
